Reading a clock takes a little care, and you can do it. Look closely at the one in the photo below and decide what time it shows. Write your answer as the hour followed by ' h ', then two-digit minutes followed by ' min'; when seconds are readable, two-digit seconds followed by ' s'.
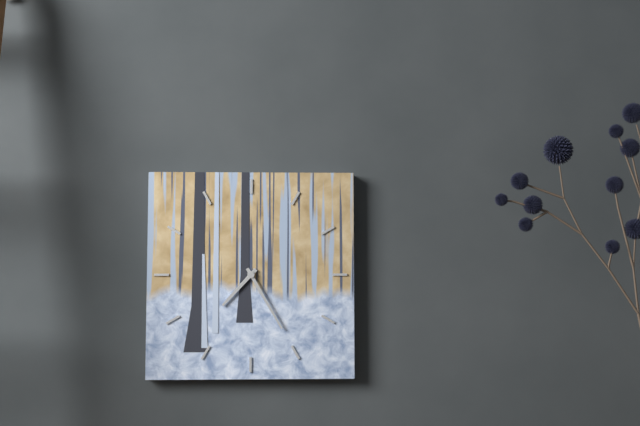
7 h 25 min
